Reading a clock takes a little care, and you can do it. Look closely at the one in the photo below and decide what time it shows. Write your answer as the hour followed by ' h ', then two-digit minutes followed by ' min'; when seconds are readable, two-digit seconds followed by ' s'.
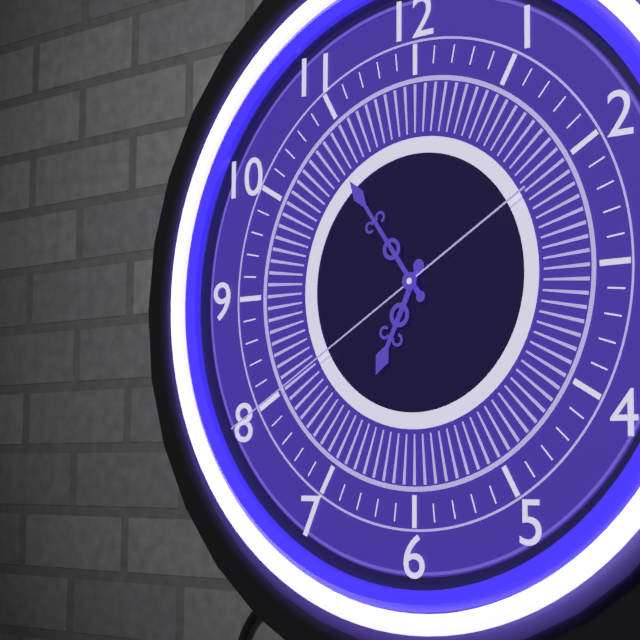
6 h 54 min 40 s
